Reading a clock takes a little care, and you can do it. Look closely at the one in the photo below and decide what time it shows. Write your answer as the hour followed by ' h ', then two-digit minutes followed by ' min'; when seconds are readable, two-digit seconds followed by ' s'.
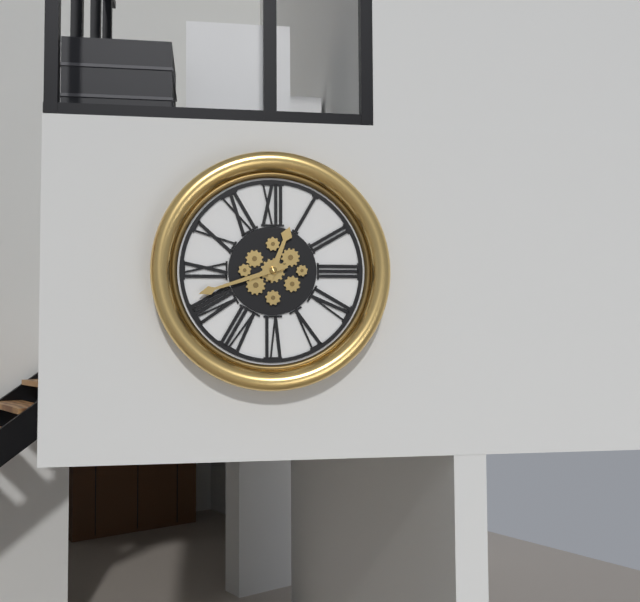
12 h 42 min
